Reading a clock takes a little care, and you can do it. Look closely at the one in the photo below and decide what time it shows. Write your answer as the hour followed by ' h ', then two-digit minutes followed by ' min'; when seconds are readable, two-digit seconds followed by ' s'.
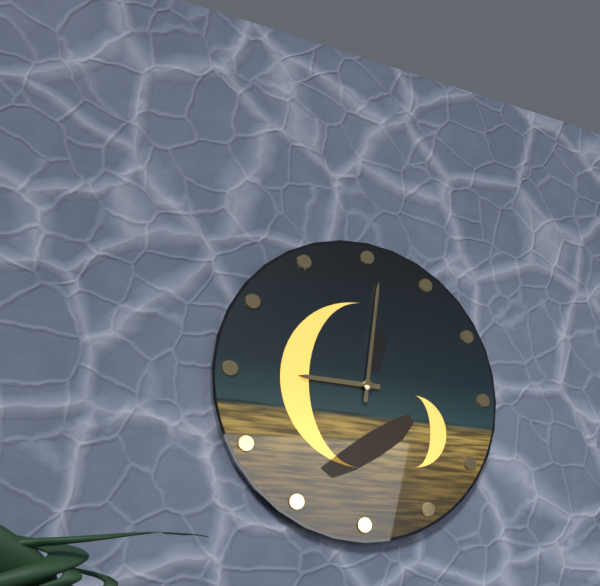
9 h 01 min
